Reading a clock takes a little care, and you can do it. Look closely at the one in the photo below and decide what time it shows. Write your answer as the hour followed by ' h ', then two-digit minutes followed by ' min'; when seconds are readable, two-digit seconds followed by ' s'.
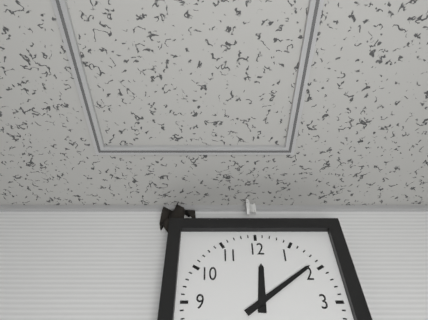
12 h 09 min
